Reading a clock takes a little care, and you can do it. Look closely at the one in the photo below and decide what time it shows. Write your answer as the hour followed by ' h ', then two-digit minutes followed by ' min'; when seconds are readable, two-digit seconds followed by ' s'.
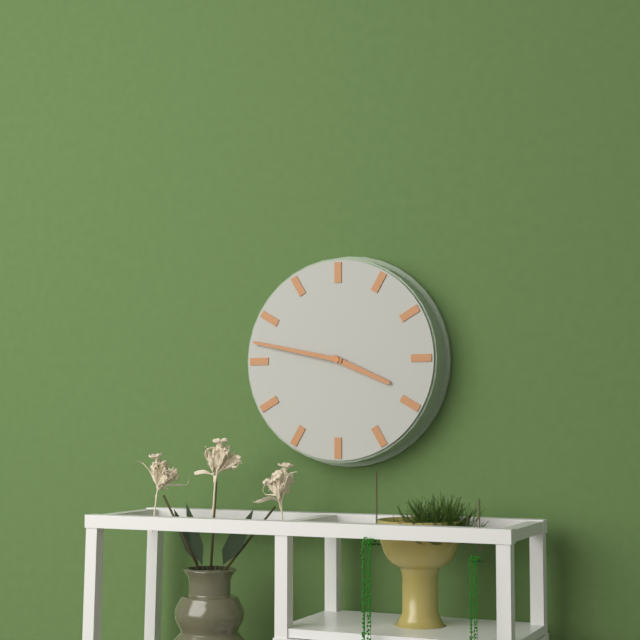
3 h 47 min
